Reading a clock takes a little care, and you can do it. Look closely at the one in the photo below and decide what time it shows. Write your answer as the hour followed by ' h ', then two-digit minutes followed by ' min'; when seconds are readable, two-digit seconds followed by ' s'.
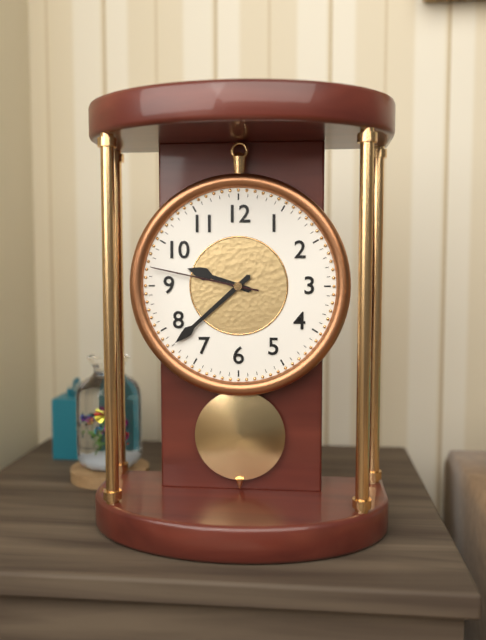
9 h 38 min 47 s
